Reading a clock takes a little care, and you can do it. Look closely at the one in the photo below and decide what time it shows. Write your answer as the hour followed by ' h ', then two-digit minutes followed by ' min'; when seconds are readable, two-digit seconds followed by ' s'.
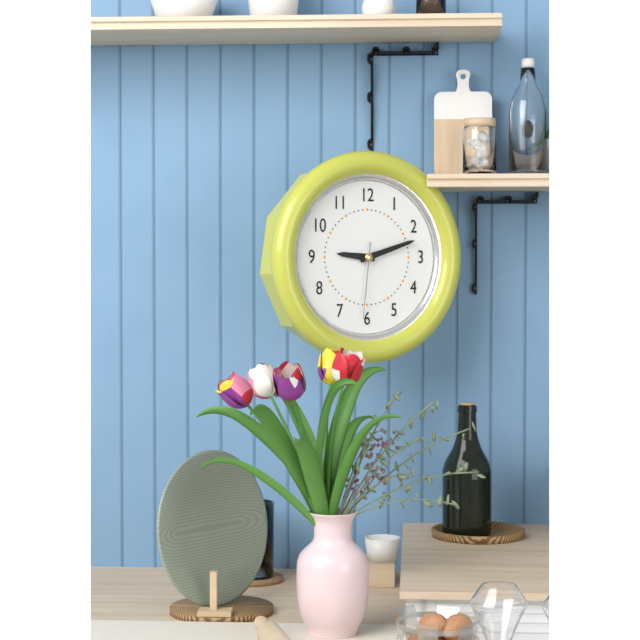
9 h 12 min 31 s
